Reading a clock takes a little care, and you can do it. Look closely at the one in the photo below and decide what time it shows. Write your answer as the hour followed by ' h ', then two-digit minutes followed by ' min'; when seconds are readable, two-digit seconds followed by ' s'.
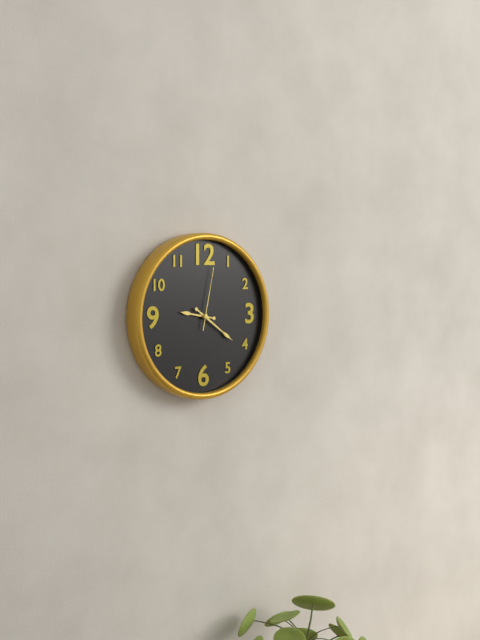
9 h 21 min 02 s
